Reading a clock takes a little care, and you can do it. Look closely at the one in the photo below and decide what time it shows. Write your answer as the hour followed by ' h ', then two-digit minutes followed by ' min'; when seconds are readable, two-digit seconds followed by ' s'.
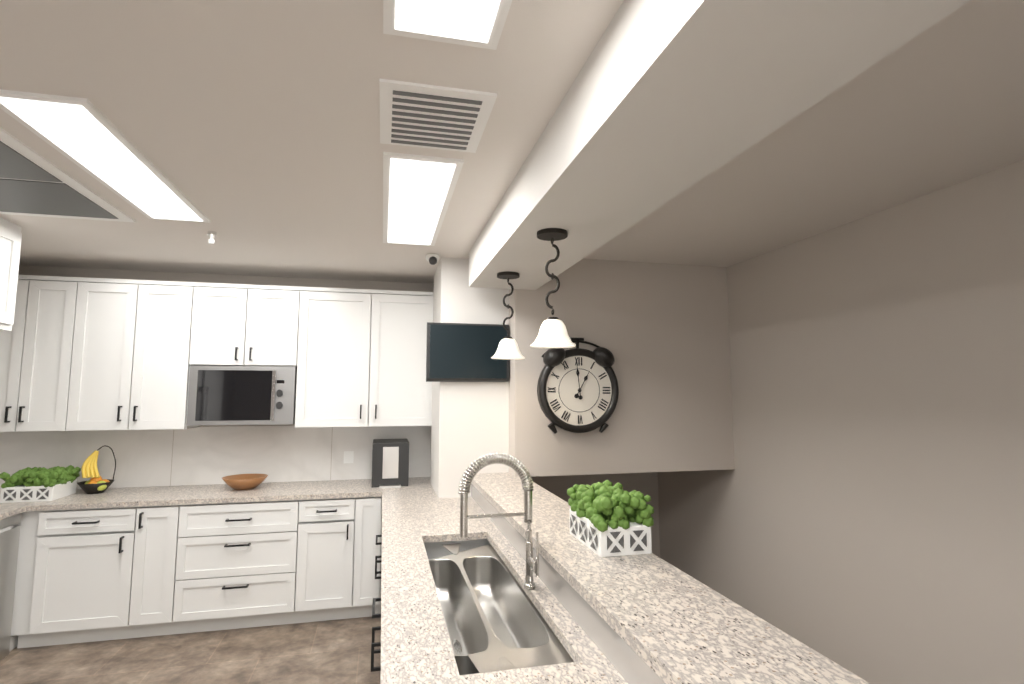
12 h 59 min
